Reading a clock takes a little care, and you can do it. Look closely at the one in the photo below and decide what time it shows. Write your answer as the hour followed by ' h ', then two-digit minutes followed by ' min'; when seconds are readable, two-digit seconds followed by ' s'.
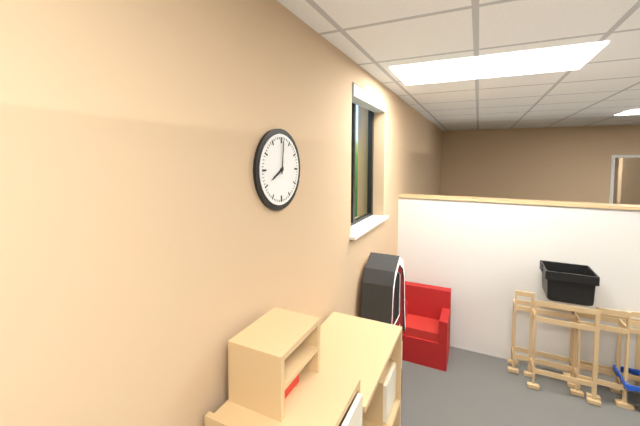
8 h 01 min
